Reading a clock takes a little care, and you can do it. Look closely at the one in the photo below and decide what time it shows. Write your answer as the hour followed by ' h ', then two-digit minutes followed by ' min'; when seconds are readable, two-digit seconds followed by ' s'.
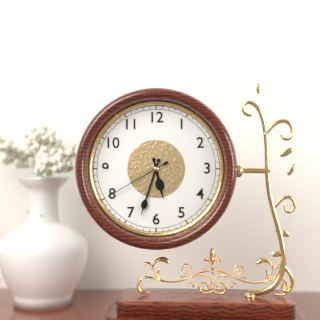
5 h 33 min 40 s
